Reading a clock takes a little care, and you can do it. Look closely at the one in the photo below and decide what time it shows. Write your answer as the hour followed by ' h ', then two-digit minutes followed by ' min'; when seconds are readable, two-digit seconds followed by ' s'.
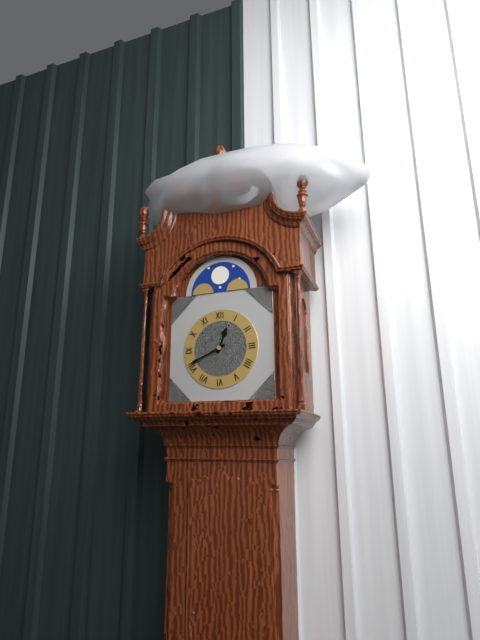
12 h 41 min
